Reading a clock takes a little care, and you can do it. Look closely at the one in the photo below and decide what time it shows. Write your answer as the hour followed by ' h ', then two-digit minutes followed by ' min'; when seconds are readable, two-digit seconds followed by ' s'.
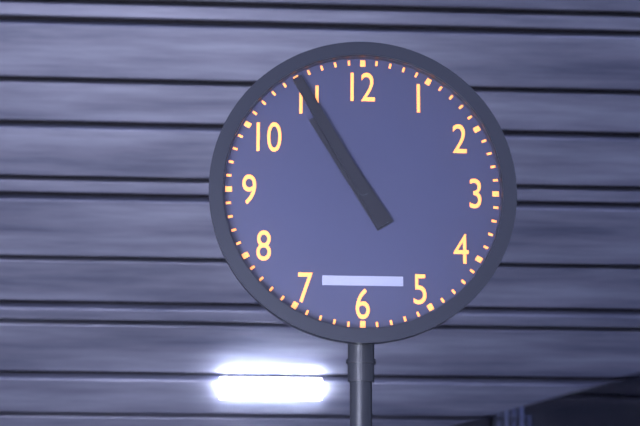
10 h 55 min
